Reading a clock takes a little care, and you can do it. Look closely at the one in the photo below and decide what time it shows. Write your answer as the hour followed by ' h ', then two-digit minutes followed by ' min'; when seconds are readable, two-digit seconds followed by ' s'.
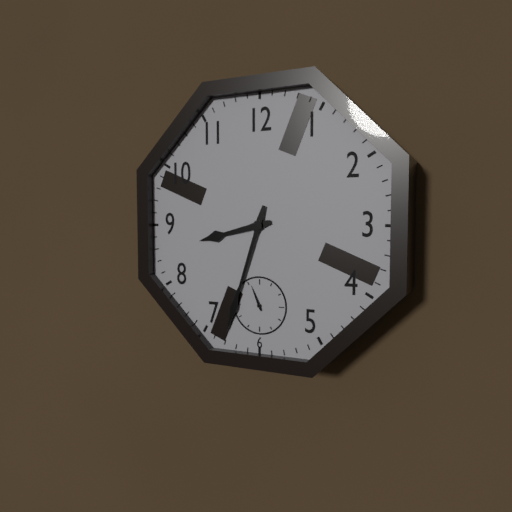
8 h 33 min
